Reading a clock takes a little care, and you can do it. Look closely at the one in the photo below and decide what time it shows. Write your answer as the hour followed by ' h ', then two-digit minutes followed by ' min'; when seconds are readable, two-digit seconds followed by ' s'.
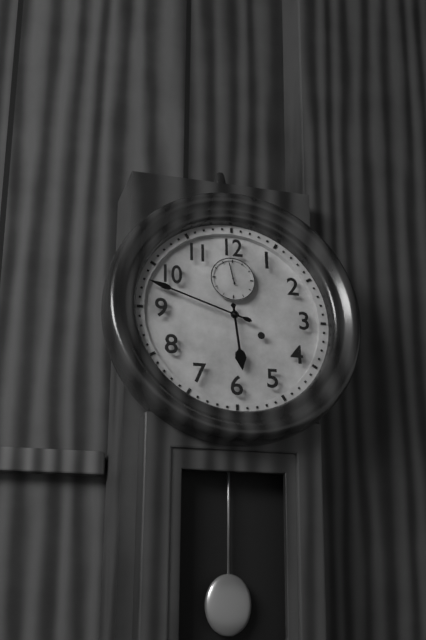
5 h 48 min
